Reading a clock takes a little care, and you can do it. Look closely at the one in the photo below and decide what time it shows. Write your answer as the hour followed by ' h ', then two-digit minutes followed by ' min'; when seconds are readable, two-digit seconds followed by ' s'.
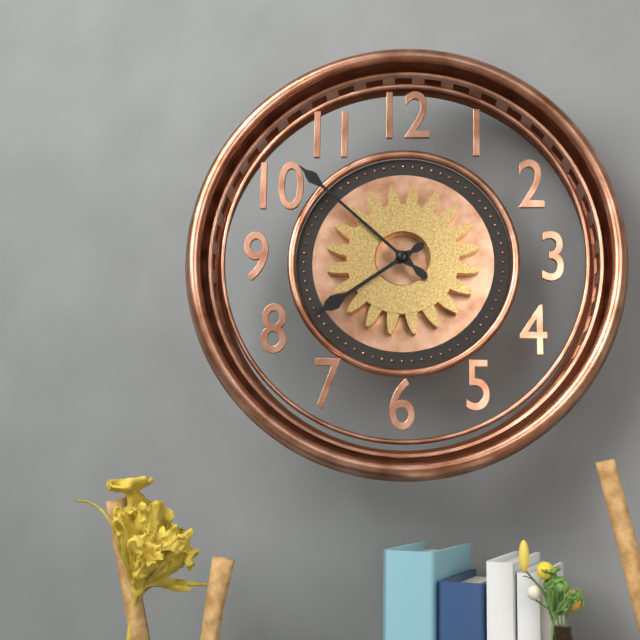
7 h 52 min
